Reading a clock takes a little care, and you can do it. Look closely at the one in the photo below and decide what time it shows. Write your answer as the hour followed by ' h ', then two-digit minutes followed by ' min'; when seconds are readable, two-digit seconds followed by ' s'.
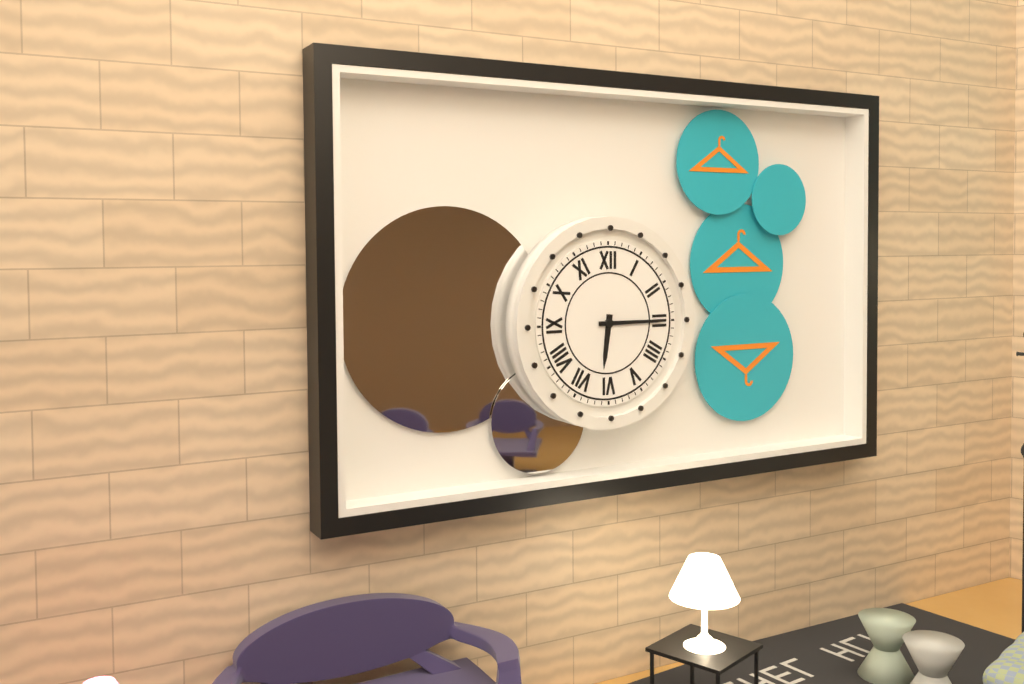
6 h 15 min
